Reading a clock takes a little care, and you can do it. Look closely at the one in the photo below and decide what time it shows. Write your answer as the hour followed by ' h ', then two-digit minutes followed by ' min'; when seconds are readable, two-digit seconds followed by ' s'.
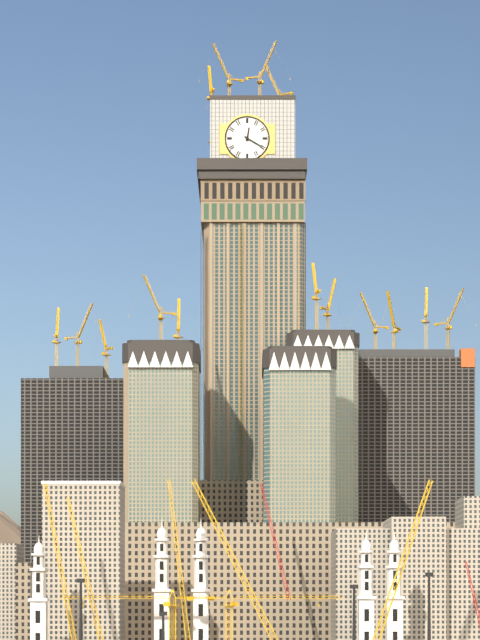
12 h 20 min
